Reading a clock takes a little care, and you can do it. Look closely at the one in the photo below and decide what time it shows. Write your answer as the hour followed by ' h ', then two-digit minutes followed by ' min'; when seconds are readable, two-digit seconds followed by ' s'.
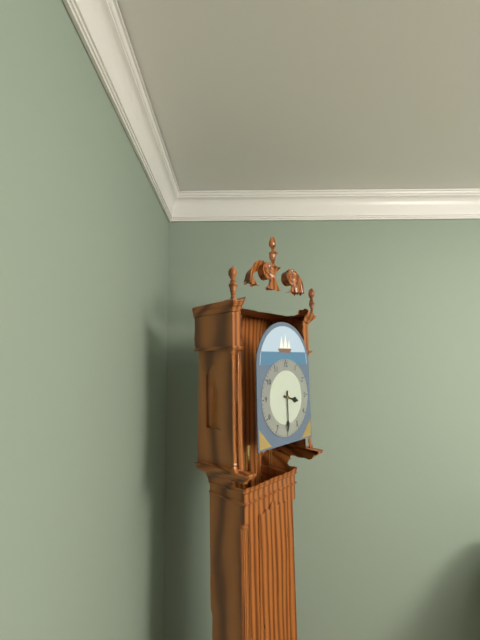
3 h 30 min
